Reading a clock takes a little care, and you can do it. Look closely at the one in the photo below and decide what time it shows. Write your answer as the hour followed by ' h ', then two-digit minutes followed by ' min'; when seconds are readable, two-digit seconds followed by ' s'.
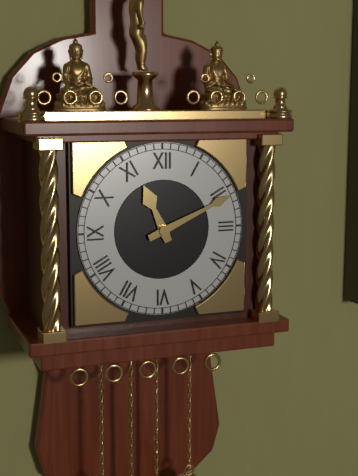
11 h 11 min
